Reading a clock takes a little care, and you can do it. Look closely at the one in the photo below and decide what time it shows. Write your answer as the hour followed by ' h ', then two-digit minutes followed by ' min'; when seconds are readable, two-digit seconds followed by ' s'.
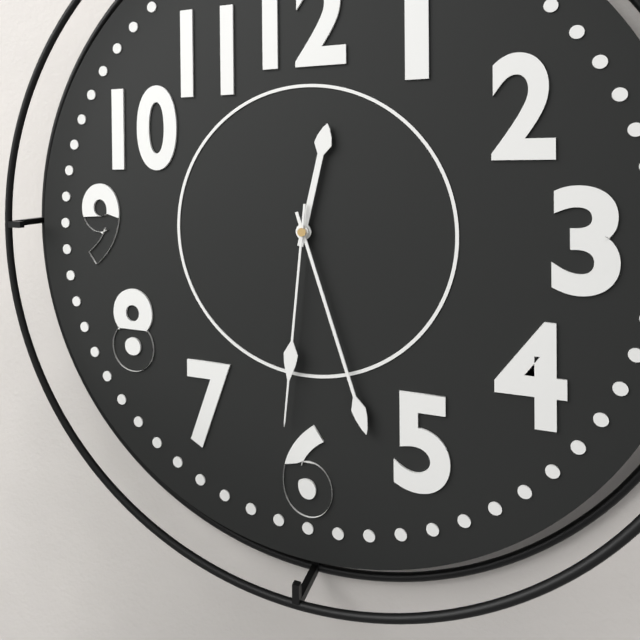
12 h 27 min 31 s
